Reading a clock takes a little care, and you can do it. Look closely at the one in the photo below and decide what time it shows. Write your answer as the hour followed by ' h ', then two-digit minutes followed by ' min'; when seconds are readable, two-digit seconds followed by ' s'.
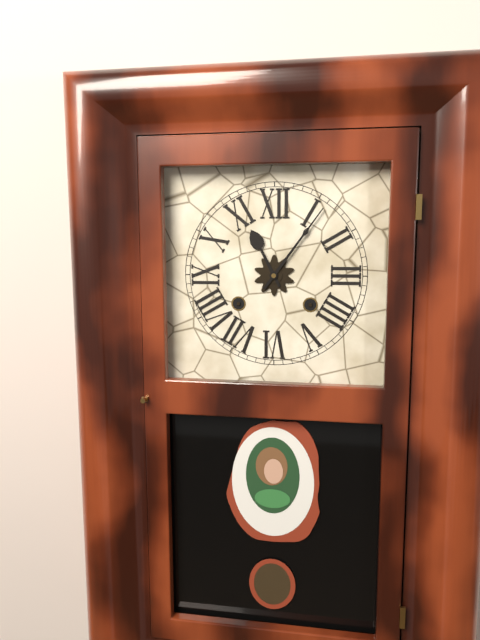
11 h 06 min
